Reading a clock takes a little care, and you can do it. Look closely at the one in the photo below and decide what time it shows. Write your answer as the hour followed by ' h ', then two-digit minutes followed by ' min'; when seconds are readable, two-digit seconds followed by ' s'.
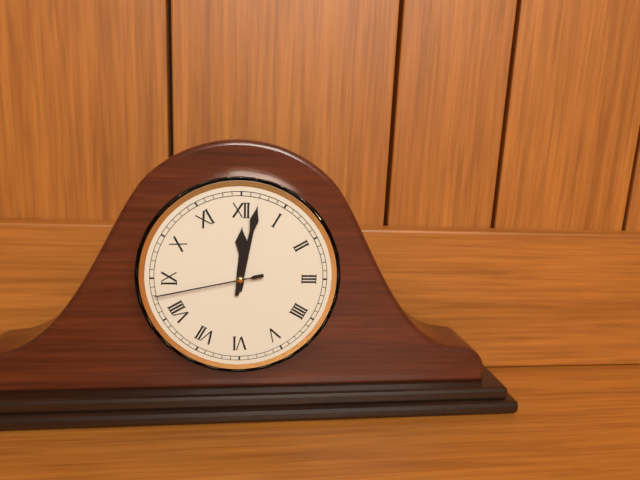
12 h 02 min 43 s
